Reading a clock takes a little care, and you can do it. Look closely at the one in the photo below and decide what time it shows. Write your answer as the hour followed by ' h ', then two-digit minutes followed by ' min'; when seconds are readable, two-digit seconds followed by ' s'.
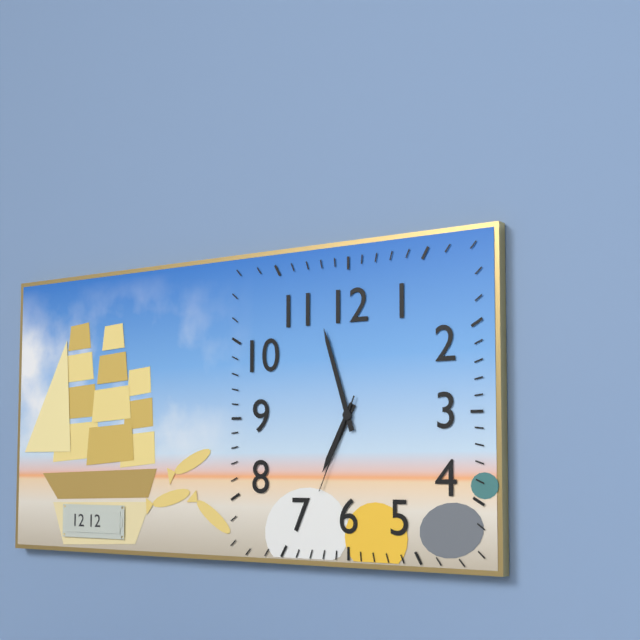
6 h 57 min 34 s
